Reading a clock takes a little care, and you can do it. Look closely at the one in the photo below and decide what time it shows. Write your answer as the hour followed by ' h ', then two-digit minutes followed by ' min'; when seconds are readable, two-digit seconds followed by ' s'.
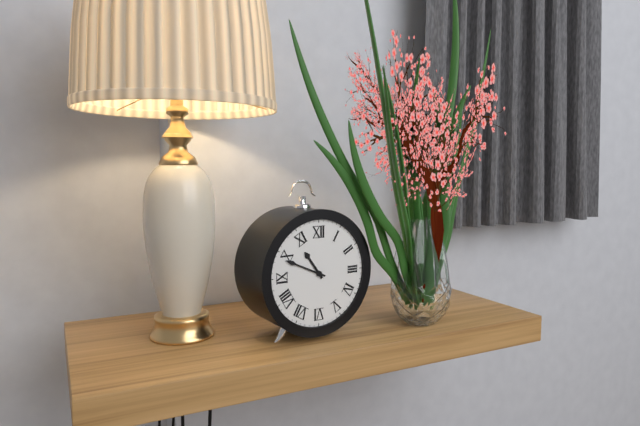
10 h 49 min
